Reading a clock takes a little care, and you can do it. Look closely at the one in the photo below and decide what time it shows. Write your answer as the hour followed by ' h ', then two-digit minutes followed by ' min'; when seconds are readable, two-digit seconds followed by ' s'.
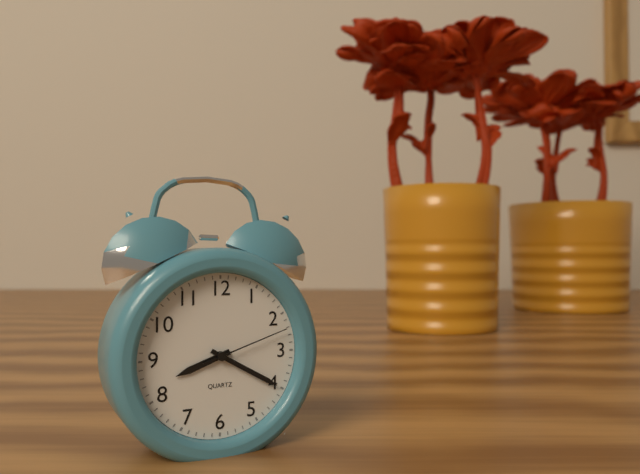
8 h 20 min 12 s
